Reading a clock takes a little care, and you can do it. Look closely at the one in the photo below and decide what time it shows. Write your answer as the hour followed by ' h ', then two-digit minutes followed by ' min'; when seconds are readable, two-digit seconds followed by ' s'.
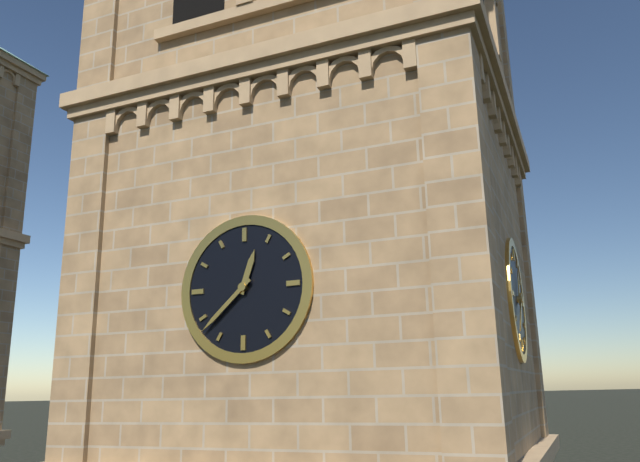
12 h 38 min
